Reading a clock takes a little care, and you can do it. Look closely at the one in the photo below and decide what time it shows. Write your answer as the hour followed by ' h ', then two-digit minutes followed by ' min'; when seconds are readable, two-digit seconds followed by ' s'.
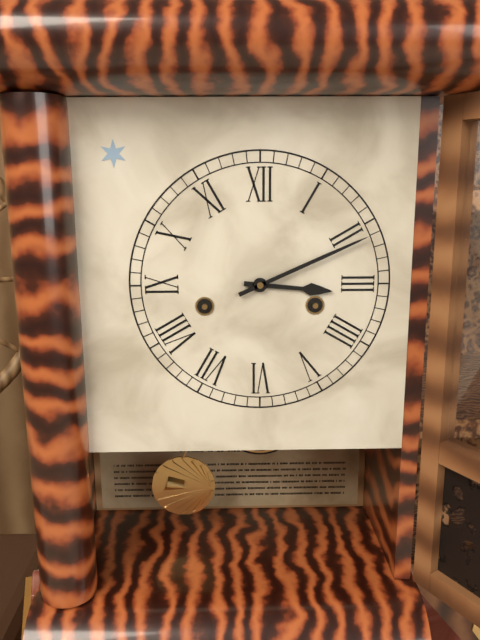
3 h 11 min
